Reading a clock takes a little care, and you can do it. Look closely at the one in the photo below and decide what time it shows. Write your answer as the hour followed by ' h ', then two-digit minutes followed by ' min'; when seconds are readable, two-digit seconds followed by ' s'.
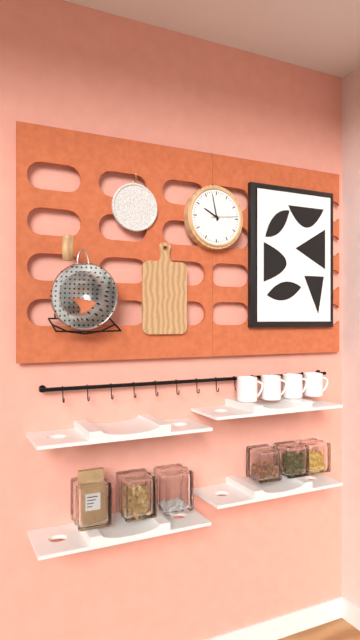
9 h 58 min
